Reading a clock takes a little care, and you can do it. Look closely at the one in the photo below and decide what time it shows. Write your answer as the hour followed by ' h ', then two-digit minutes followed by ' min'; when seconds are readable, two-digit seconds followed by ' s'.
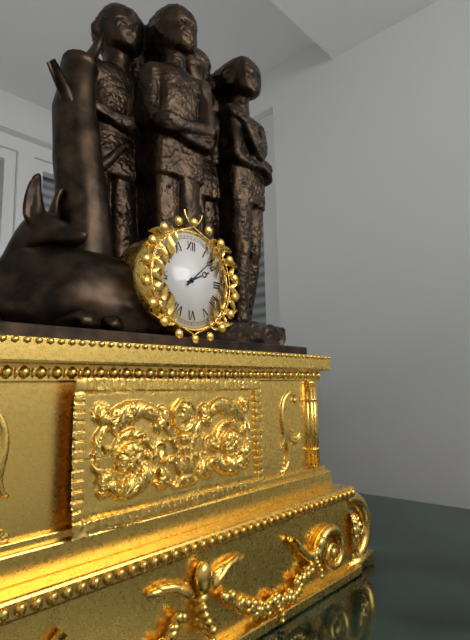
2 h 08 min
